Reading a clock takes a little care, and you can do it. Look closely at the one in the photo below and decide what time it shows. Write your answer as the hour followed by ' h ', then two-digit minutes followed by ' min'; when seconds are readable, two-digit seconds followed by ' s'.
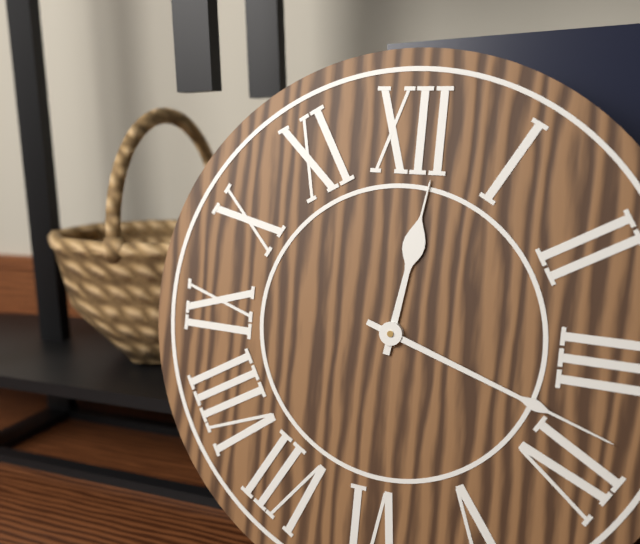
12 h 18 min
